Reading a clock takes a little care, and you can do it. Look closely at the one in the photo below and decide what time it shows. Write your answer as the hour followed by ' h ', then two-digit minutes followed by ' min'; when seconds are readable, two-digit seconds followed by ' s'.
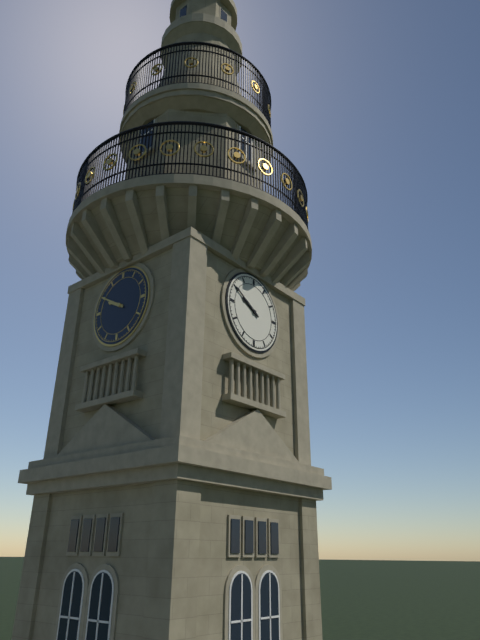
9 h 50 min
